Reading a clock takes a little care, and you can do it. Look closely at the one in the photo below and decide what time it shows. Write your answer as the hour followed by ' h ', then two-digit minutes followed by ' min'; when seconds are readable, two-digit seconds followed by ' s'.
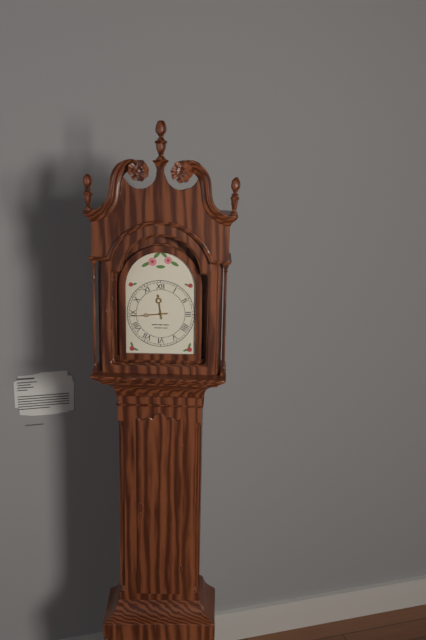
11 h 44 min
